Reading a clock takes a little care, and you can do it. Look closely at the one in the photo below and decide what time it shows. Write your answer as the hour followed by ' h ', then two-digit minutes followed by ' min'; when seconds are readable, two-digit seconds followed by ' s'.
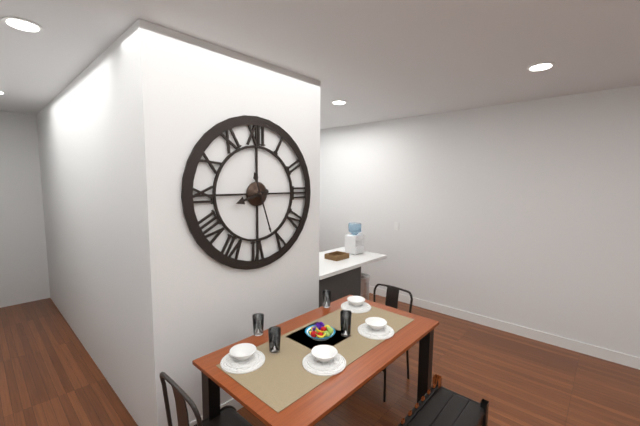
8 h 27 min
